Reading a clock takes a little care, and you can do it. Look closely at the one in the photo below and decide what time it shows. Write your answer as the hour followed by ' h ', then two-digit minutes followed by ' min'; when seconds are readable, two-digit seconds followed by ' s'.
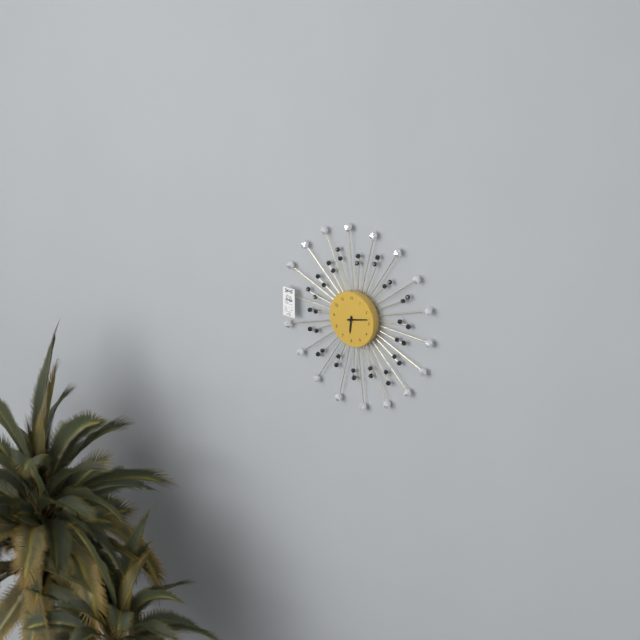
6 h 13 min
